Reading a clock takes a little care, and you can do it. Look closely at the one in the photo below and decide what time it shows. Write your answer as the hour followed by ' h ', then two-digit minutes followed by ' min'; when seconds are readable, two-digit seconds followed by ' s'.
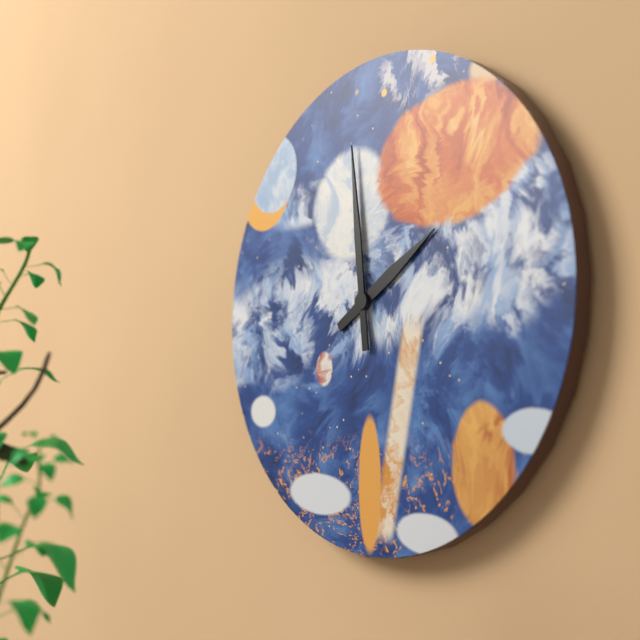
1 h 59 min
